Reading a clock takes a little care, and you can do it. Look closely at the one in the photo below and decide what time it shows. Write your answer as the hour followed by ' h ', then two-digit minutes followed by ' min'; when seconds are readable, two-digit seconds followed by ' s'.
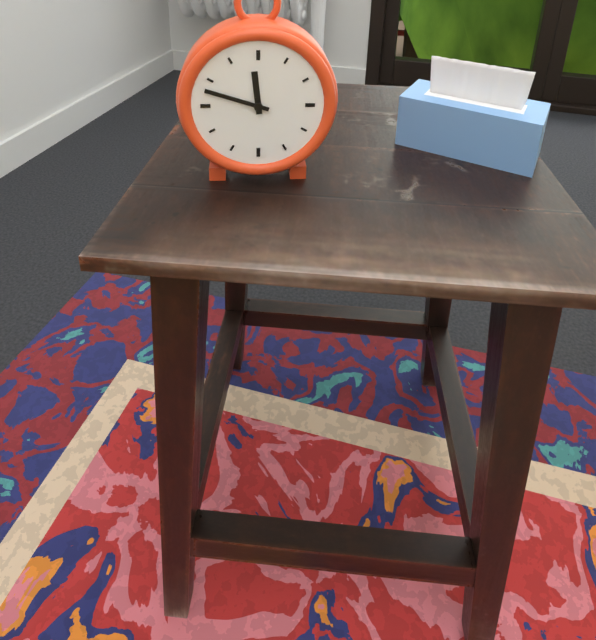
11 h 48 min
